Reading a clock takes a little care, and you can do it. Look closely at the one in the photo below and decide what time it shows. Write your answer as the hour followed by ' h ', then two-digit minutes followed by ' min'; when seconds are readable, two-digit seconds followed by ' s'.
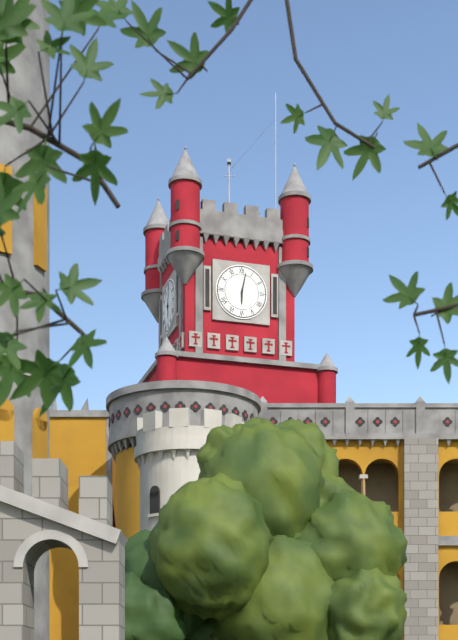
6 h 02 min
